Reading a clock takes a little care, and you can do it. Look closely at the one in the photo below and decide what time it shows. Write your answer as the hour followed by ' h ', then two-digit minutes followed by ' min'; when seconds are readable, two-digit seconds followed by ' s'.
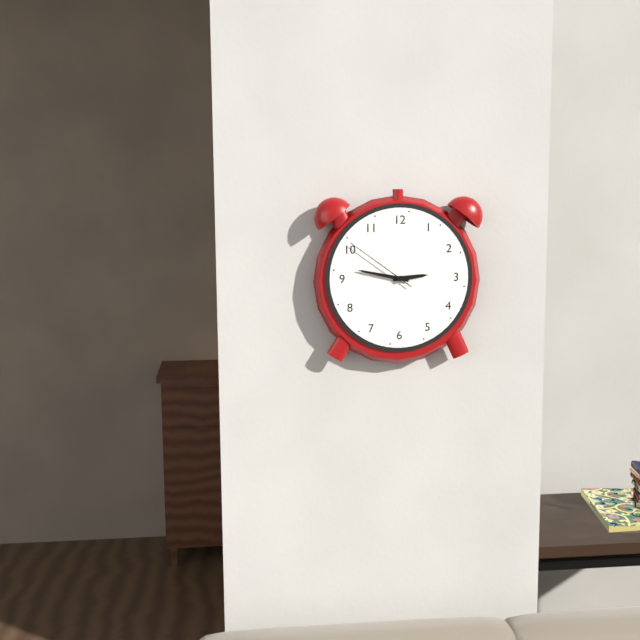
2 h 47 min 51 s
